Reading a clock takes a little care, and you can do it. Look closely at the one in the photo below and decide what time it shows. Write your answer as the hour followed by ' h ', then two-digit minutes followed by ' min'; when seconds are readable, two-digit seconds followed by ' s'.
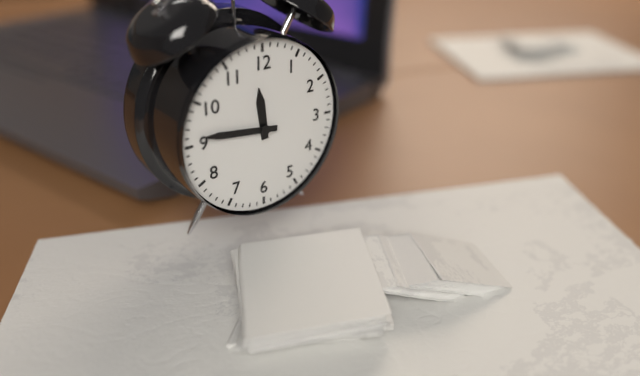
11 h 46 min
